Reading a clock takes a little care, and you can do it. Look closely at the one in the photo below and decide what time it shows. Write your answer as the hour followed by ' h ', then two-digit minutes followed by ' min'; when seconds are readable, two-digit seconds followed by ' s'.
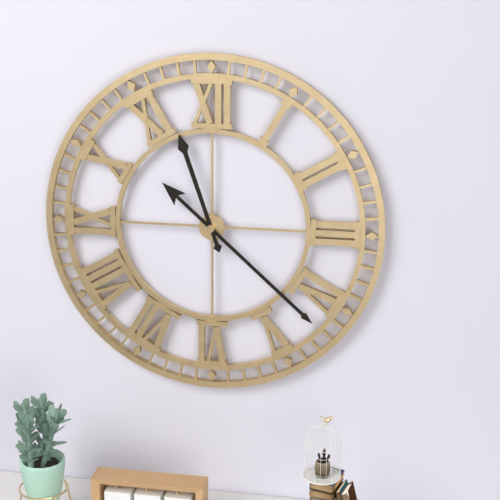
11 h 22 min
